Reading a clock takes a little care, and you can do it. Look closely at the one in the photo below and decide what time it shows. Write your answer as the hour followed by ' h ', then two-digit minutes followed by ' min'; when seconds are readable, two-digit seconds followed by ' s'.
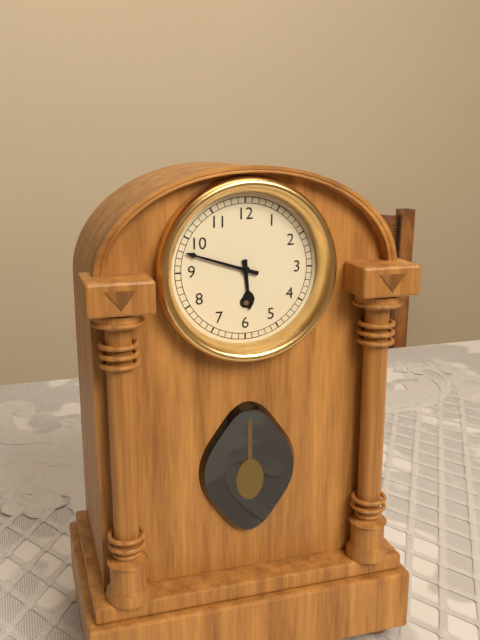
5 h 48 min
